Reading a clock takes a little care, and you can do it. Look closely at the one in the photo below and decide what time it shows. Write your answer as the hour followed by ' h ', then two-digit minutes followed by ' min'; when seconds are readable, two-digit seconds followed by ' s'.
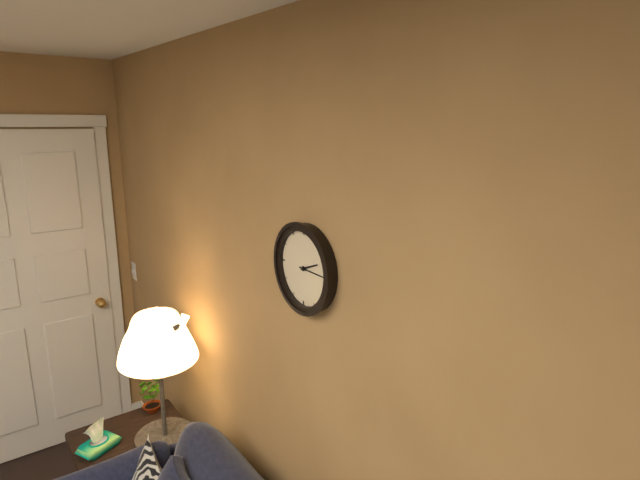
2 h 15 min
